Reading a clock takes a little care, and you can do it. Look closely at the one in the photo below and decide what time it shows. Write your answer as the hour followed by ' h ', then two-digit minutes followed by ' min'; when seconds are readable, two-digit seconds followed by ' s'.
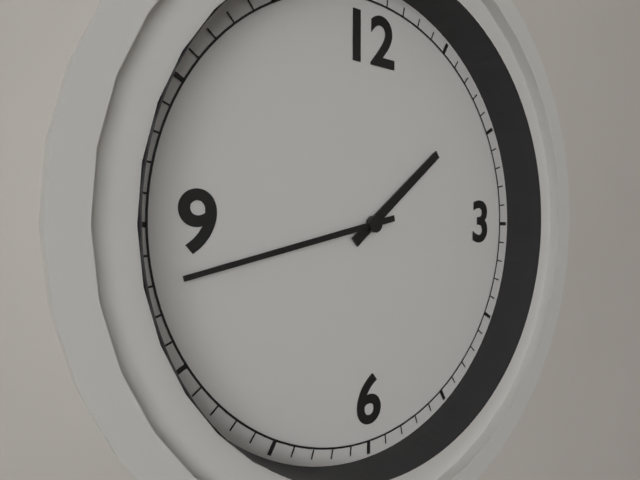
1 h 43 min
